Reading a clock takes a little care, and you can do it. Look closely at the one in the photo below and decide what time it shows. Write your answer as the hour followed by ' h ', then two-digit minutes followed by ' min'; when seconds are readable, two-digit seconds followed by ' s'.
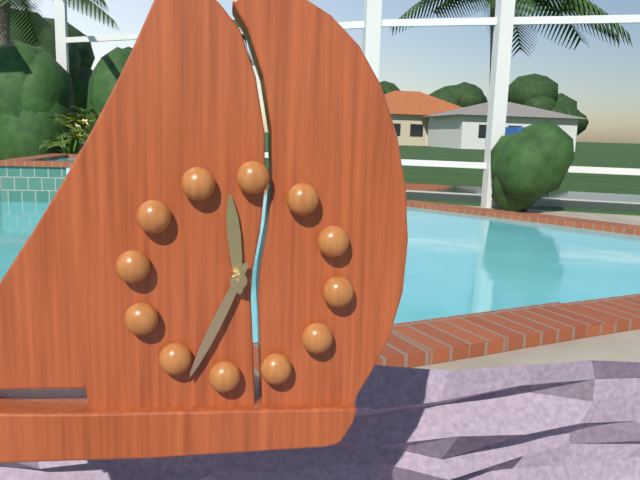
11 h 33 min
